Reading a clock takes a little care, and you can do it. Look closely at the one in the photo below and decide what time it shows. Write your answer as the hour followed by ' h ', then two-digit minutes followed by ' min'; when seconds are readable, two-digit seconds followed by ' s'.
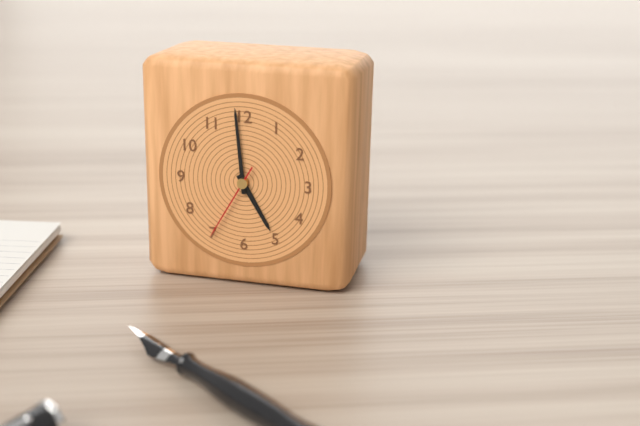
4 h 59 min 35 s
